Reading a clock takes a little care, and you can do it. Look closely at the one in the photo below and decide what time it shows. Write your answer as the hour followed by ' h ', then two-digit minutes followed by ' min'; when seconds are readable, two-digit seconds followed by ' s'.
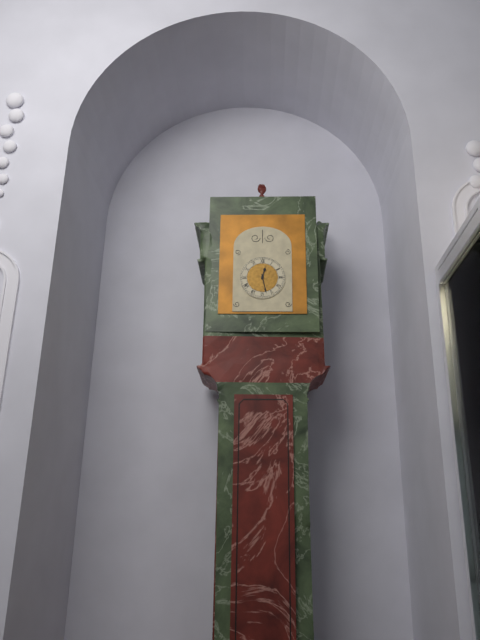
12 h 28 min
